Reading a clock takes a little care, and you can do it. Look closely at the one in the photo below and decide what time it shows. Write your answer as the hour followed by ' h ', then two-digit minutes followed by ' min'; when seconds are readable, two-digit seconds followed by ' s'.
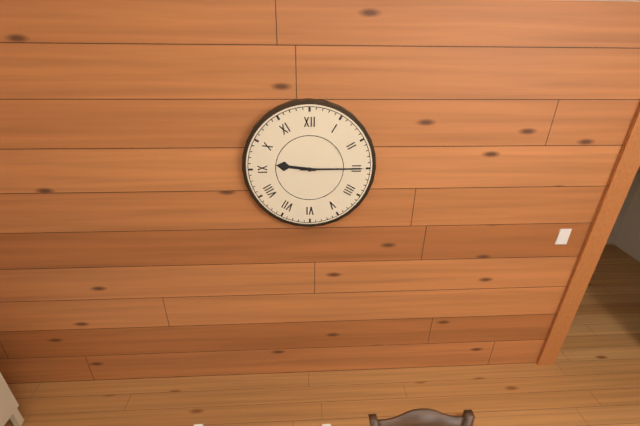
9 h 15 min
